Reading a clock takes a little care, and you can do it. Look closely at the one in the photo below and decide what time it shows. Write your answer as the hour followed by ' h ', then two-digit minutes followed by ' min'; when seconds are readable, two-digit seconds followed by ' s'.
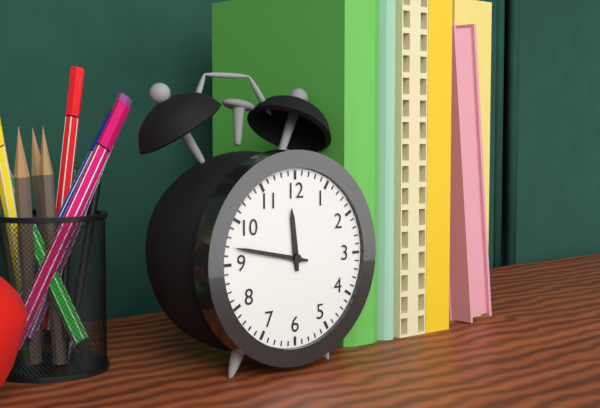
11 h 47 min
